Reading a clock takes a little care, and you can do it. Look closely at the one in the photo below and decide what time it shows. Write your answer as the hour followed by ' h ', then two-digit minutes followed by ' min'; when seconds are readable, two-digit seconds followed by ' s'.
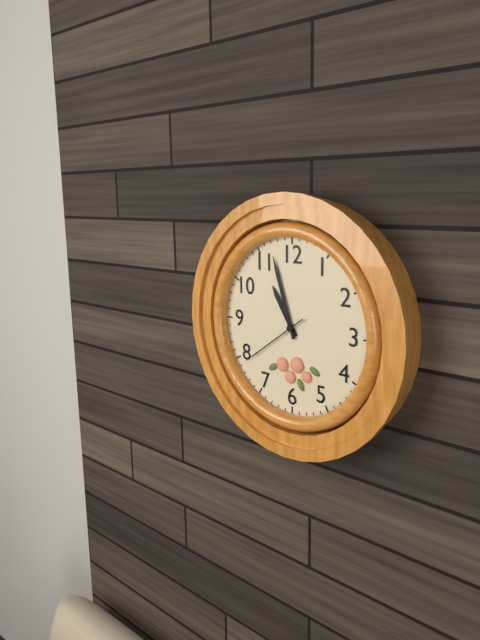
10 h 57 min 39 s
